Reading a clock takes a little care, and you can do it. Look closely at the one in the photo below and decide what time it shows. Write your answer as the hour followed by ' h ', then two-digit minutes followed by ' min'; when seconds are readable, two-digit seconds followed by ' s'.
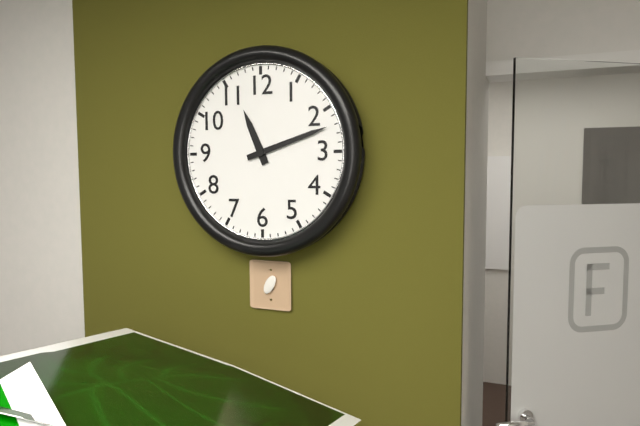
11 h 12 min
